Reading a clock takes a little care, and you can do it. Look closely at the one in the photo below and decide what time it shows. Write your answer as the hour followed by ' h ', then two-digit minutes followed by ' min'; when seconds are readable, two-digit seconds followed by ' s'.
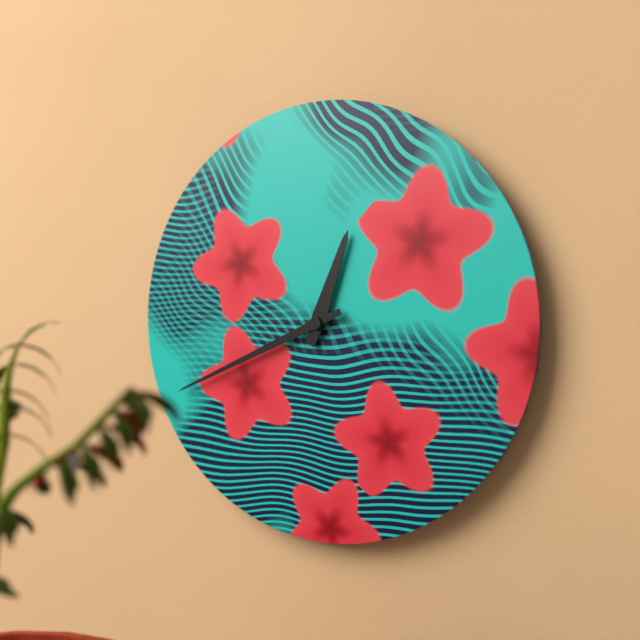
12 h 41 min
